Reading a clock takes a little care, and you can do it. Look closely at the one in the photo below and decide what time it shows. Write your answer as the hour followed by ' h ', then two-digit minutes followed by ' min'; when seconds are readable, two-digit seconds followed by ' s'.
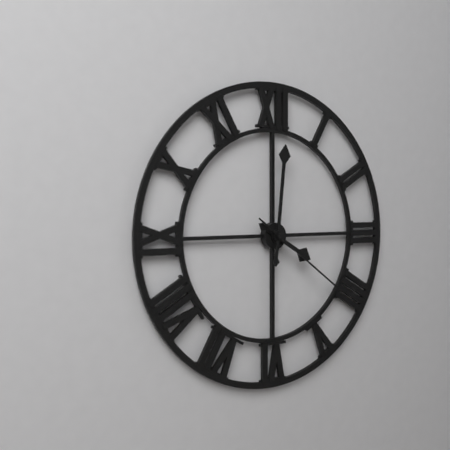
4 h 01 min 21 s
